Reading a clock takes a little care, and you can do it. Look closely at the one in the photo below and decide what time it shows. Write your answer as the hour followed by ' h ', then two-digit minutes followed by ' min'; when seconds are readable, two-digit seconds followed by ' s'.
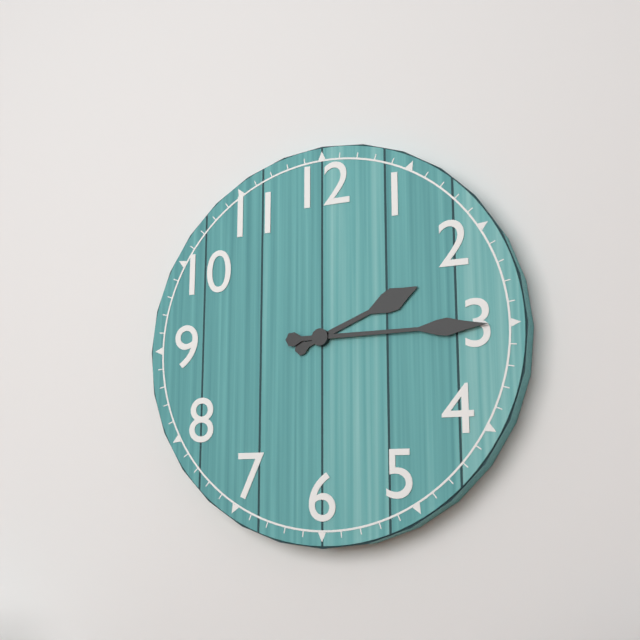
2 h 15 min
